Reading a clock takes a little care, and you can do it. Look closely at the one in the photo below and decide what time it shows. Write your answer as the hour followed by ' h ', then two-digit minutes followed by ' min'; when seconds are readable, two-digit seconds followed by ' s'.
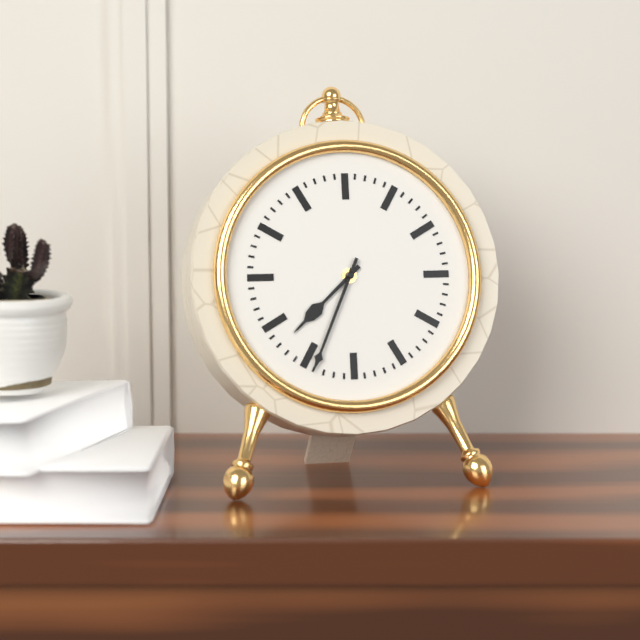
7 h 34 min
